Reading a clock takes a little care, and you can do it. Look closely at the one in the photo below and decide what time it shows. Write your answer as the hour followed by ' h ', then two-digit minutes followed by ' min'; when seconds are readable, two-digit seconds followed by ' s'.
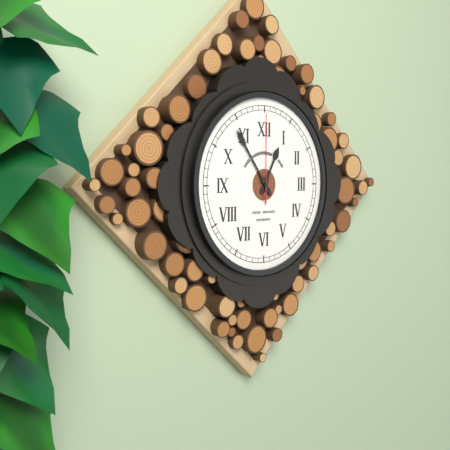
12 h 54 min 00 s
